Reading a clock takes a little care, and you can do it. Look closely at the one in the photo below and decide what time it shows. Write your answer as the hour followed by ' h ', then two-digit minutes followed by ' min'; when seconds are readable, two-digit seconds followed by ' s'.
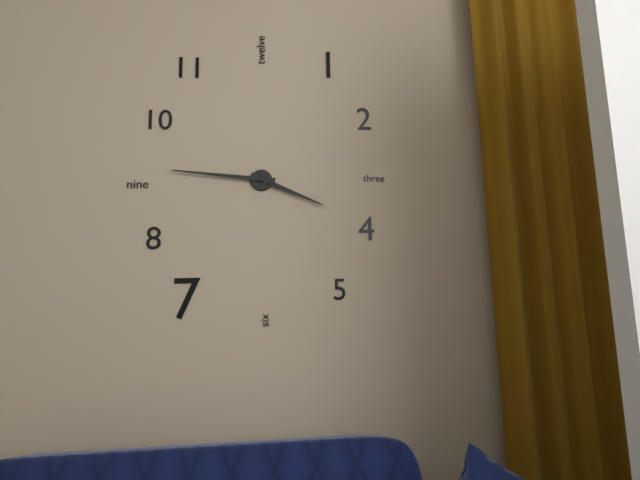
3 h 46 min
